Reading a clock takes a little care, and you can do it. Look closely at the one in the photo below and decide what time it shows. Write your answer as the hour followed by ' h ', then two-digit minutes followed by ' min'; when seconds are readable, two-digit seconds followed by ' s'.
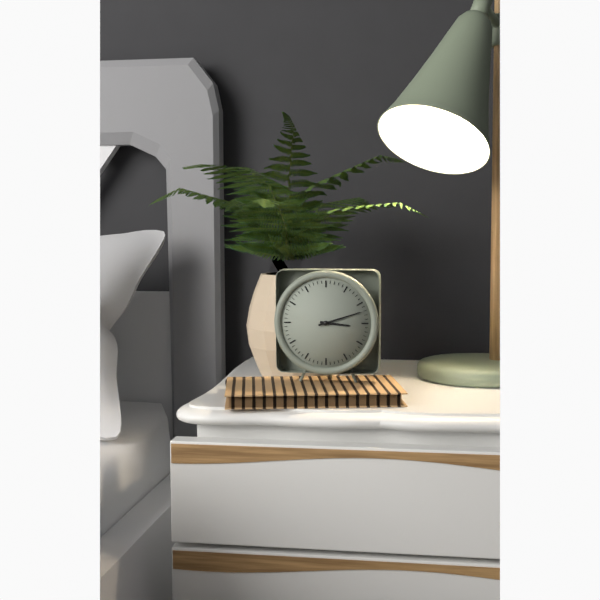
3 h 12 min
